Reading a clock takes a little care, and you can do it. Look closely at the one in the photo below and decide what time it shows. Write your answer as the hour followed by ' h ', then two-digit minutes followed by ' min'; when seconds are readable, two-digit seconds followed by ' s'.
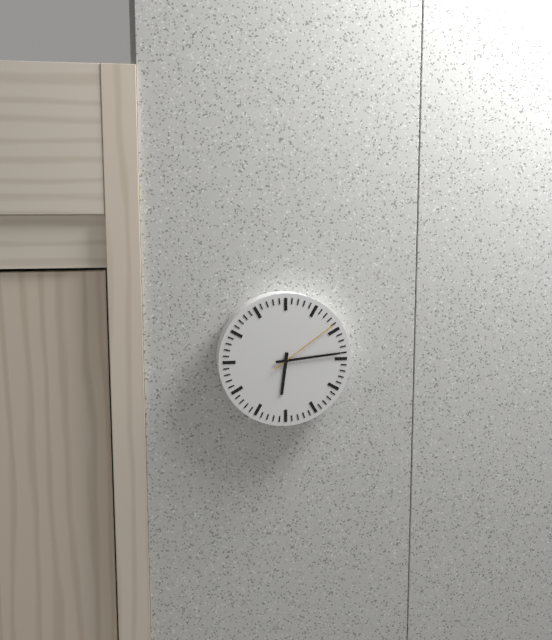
6 h 14 min 09 s
